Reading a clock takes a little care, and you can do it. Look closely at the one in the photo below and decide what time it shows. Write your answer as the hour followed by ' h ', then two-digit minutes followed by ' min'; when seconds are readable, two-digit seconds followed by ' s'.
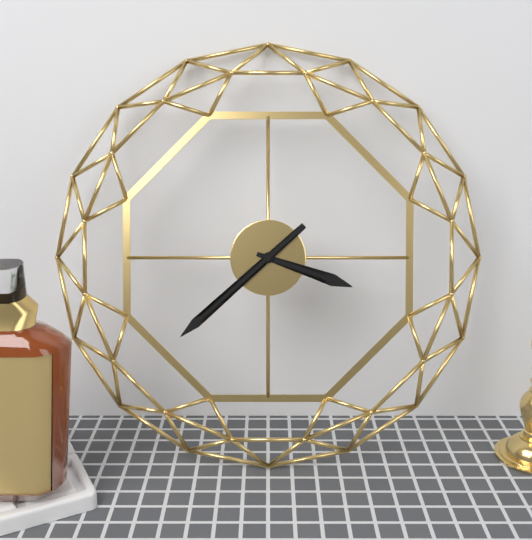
3 h 38 min
